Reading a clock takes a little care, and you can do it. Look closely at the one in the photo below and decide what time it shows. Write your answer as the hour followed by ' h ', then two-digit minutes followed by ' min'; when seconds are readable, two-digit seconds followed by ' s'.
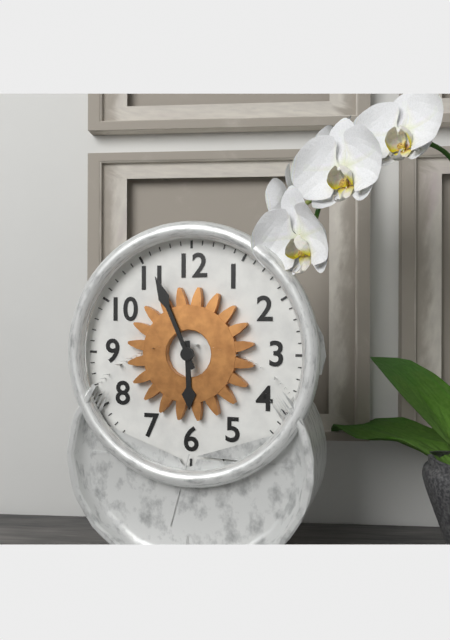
5 h 56 min
